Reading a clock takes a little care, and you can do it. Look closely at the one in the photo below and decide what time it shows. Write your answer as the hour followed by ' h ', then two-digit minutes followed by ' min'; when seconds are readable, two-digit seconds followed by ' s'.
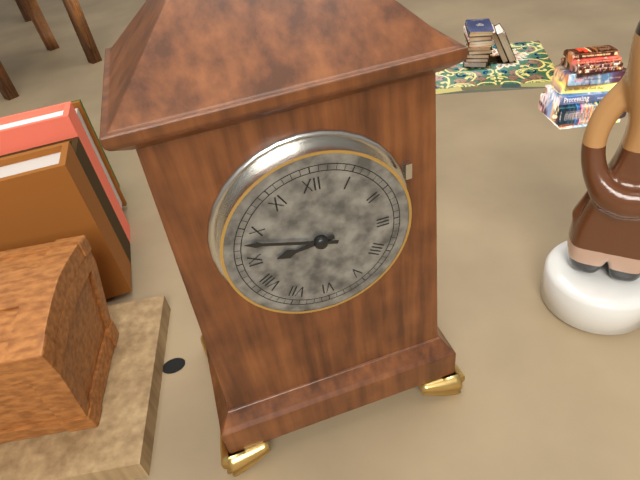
8 h 48 min
